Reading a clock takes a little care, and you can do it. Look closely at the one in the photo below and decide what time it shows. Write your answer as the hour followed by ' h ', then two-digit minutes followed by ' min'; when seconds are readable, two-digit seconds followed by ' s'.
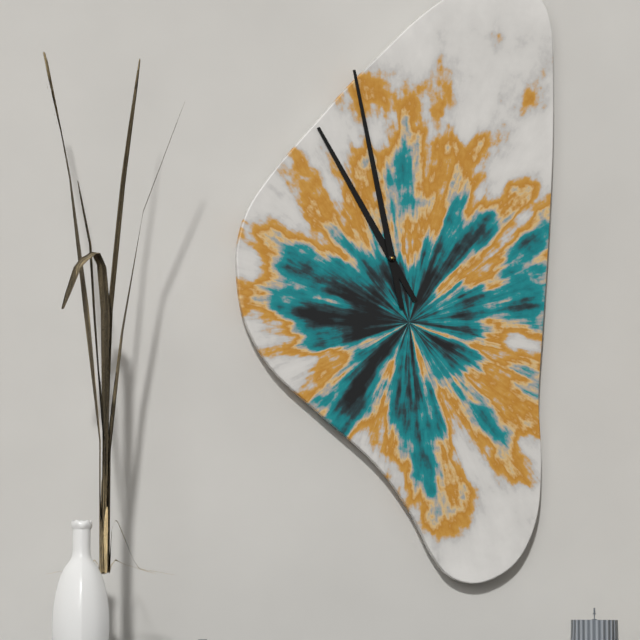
10 h 58 min
